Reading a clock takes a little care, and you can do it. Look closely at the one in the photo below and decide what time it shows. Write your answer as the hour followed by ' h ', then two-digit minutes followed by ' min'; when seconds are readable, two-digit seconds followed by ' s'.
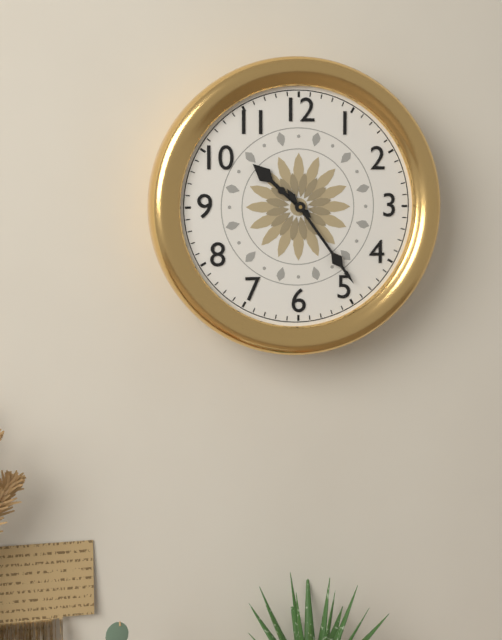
10 h 24 min
